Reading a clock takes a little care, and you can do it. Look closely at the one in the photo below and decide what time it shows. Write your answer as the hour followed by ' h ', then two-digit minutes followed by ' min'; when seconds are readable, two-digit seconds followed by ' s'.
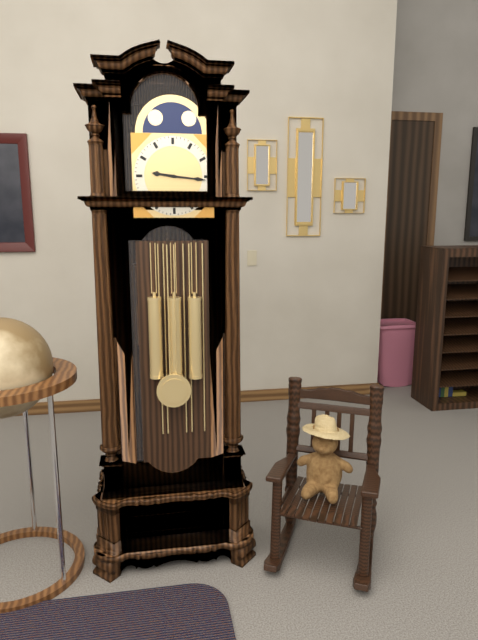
9 h 16 min
